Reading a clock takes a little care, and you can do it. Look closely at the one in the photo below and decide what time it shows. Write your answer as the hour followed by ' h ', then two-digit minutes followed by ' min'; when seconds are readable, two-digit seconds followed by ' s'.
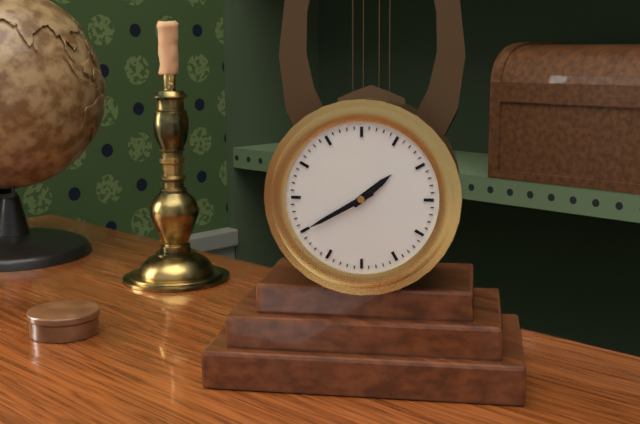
1 h 40 min
